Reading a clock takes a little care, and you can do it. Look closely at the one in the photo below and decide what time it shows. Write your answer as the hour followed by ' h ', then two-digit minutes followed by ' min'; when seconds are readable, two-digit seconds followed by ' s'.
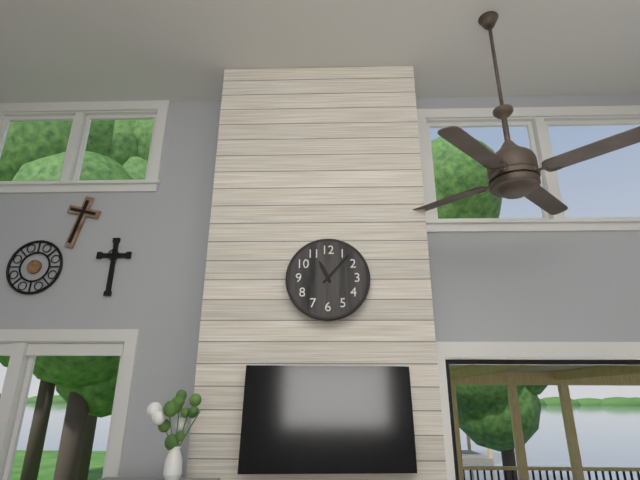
11 h 07 min
